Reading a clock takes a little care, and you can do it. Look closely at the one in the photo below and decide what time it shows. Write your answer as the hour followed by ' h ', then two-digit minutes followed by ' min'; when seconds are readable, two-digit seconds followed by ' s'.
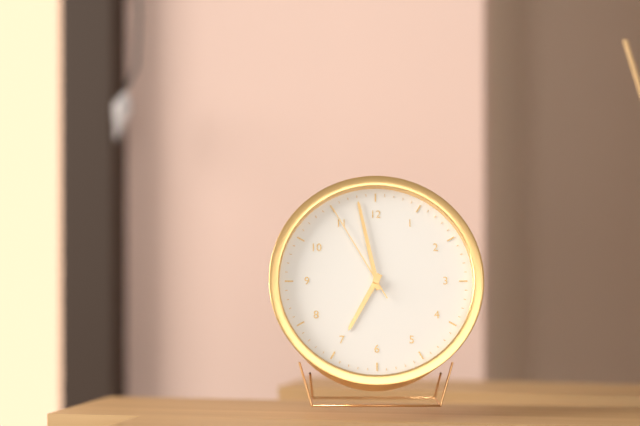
6 h 58 min 55 s
